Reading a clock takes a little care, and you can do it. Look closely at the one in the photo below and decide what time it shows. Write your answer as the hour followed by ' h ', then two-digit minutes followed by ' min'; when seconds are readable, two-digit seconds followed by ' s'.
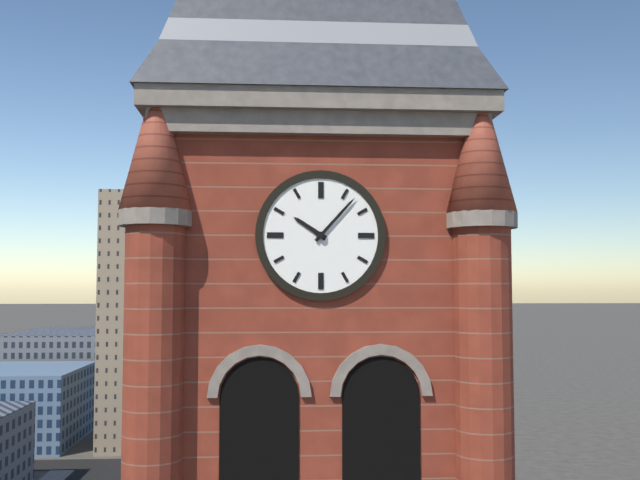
10 h 07 min
